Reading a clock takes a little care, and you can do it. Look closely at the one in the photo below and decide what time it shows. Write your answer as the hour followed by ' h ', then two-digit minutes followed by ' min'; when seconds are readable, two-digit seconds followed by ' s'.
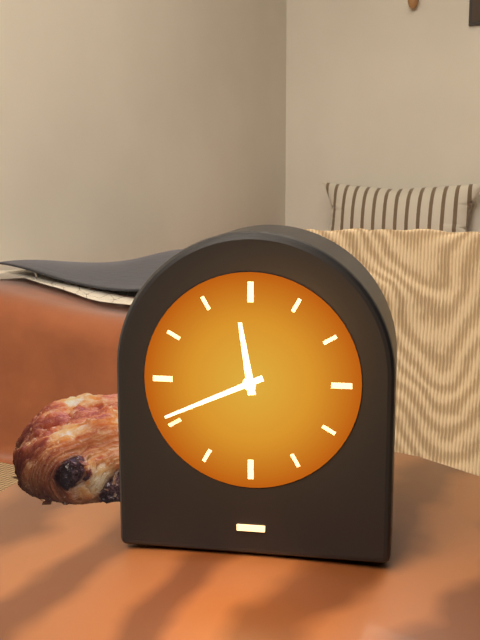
11 h 41 min
